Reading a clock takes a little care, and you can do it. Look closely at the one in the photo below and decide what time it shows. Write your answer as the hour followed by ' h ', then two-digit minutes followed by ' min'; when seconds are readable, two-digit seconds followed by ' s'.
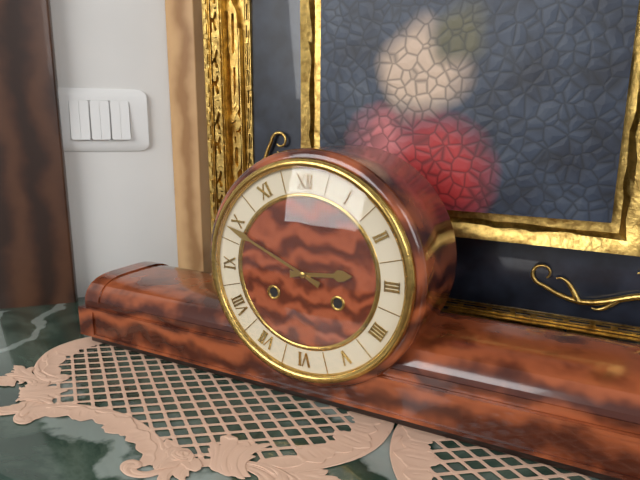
2 h 49 min
